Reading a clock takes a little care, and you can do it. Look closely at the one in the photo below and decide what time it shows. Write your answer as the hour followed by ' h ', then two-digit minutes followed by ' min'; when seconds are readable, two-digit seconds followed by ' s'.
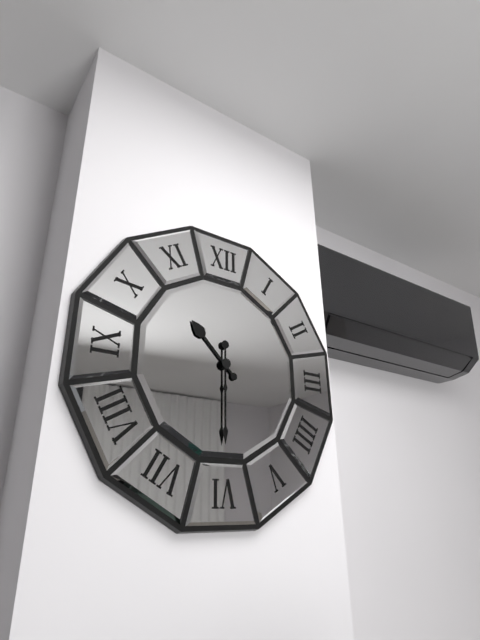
10 h 30 min
